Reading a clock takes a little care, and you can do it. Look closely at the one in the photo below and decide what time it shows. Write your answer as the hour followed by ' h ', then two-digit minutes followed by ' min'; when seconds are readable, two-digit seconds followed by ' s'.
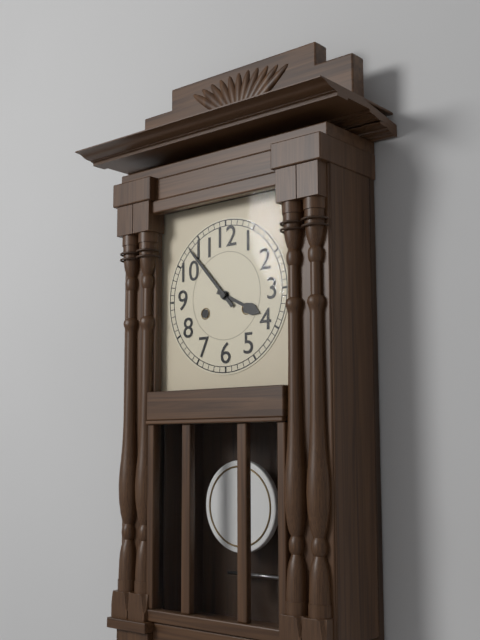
3 h 53 min
